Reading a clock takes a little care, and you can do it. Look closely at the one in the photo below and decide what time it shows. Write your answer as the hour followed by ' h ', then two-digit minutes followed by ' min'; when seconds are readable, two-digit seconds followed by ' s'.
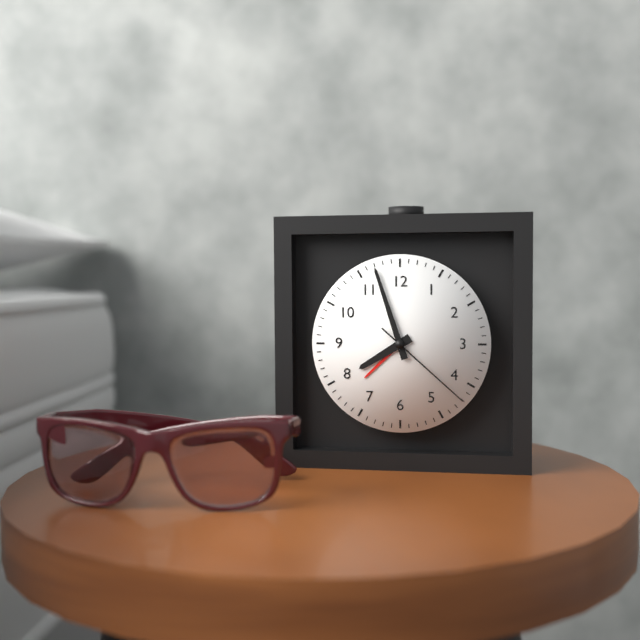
7 h 57 min 22 s
